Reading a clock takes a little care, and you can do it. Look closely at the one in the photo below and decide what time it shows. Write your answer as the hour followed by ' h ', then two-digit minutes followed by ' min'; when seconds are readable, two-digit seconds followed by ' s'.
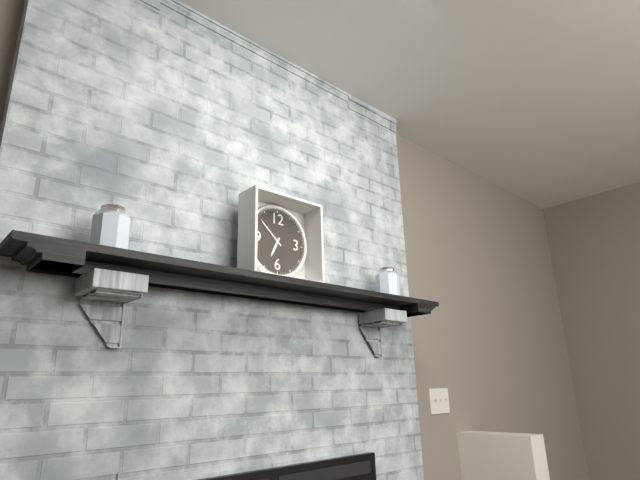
6 h 52 min
